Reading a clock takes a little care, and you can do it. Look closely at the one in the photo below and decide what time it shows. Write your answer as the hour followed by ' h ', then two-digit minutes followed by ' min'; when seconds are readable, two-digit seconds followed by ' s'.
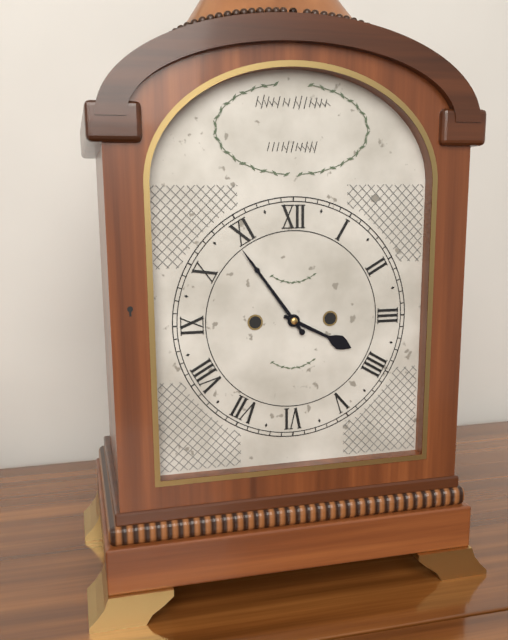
3 h 54 min
